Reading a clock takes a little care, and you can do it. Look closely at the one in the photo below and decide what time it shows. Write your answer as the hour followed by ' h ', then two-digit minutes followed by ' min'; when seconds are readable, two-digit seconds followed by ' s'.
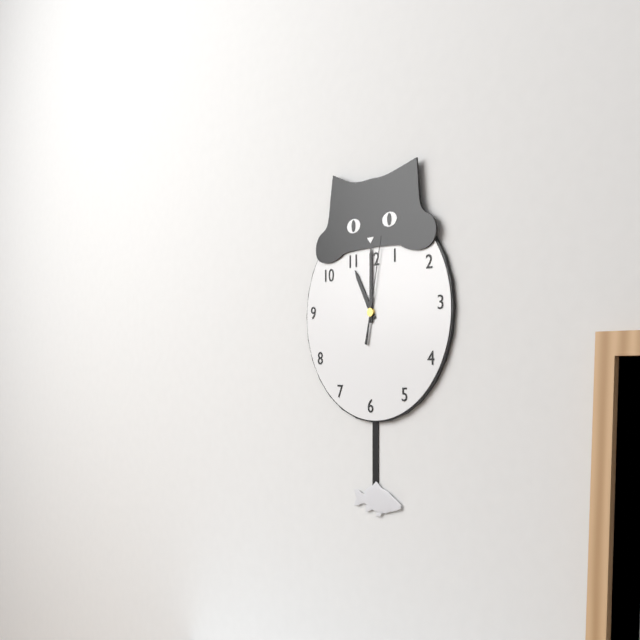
11 h 00 min 02 s
